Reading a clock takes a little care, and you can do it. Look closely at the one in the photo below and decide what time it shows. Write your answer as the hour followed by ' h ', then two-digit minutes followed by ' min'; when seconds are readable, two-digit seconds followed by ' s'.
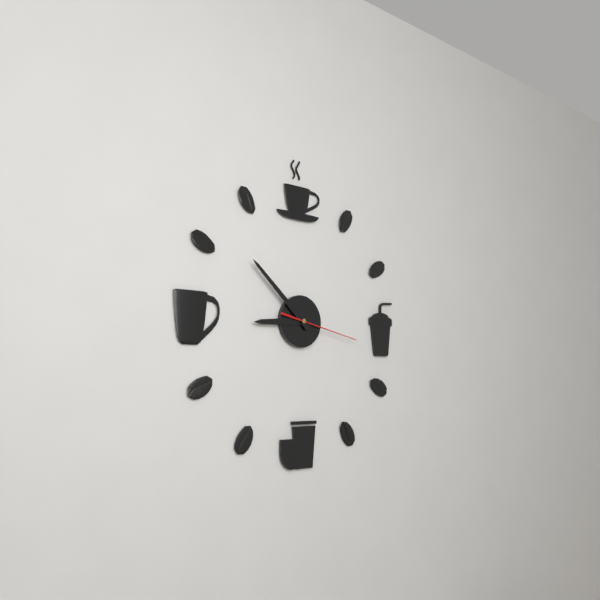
8 h 52 min 17 s
